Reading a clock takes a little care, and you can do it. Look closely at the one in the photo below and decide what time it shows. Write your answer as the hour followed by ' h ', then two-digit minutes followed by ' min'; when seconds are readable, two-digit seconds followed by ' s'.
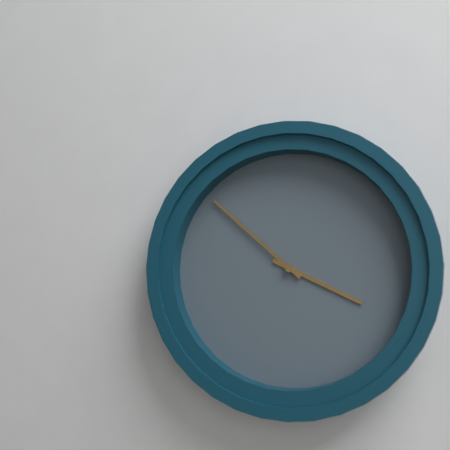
3 h 52 min
